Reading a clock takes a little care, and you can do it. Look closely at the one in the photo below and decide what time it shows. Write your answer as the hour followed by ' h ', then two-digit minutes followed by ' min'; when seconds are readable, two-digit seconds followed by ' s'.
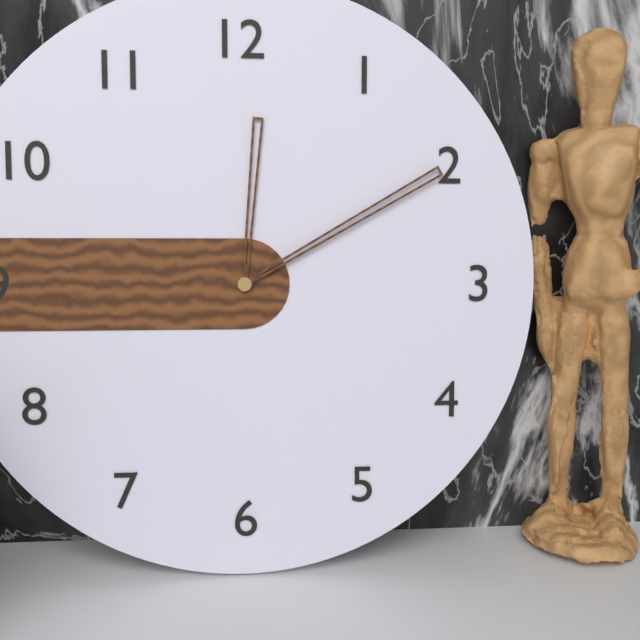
12 h 10 min
